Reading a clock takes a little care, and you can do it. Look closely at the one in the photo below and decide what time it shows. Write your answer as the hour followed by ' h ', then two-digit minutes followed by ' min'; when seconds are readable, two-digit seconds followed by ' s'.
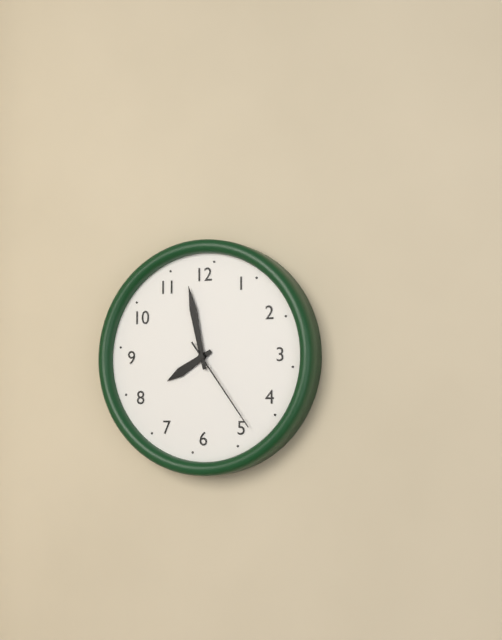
7 h 58 min 24 s
